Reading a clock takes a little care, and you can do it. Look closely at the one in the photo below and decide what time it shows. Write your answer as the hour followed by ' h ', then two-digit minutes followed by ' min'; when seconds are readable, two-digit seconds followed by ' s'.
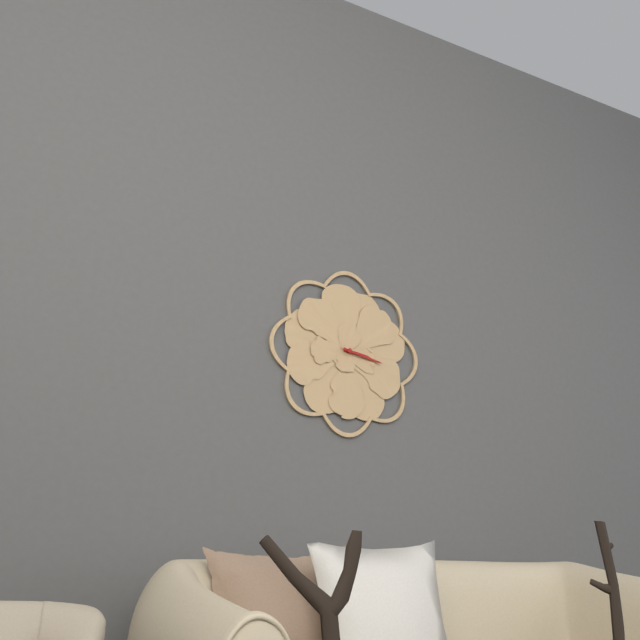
3 h 17 min
